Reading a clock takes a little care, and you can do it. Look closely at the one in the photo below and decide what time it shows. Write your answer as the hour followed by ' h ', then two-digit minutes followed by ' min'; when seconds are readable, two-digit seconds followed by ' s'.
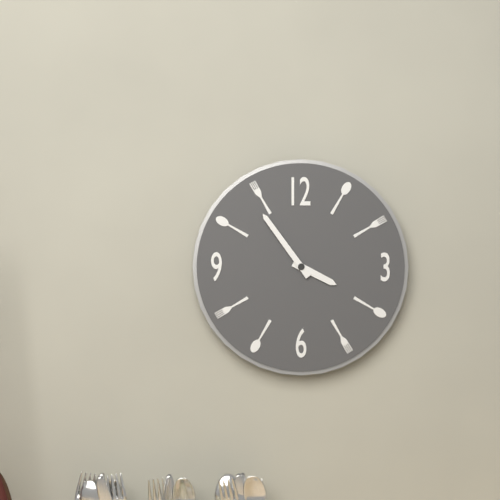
3 h 54 min
